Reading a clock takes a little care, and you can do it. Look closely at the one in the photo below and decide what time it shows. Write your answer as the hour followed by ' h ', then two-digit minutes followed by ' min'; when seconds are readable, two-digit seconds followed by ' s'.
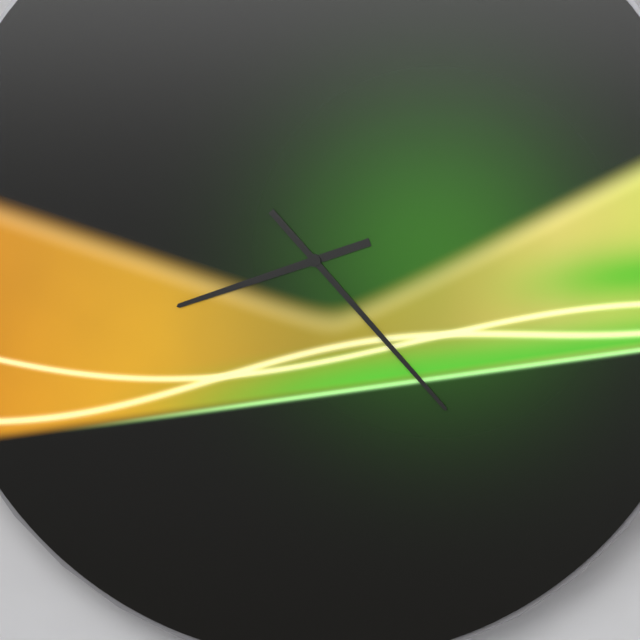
8 h 23 min
